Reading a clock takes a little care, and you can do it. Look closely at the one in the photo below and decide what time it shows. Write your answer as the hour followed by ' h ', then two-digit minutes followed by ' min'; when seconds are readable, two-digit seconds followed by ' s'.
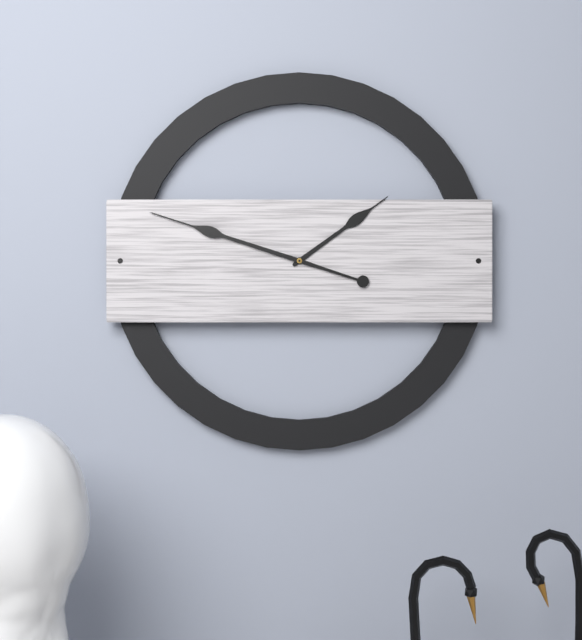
1 h 48 min
